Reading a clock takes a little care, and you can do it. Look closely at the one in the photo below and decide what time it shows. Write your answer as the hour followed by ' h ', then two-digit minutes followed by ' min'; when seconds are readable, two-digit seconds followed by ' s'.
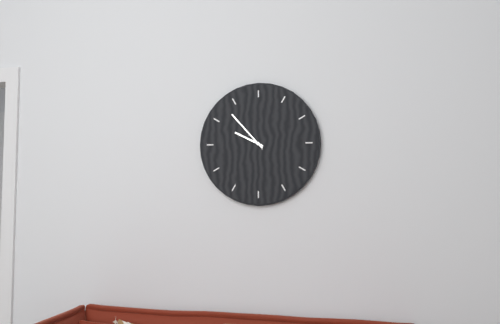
9 h 53 min
